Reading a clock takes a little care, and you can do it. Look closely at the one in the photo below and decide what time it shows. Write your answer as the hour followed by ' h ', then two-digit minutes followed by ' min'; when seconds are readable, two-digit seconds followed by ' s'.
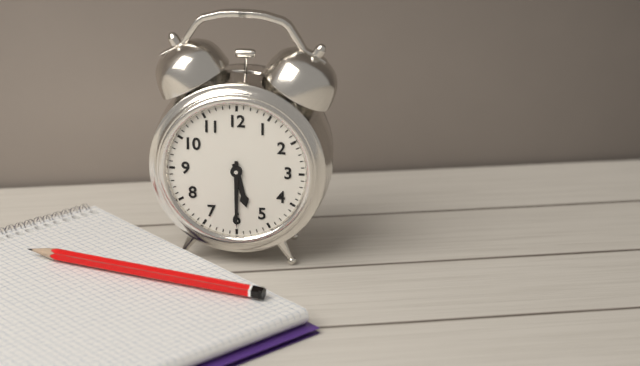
5 h 30 min
